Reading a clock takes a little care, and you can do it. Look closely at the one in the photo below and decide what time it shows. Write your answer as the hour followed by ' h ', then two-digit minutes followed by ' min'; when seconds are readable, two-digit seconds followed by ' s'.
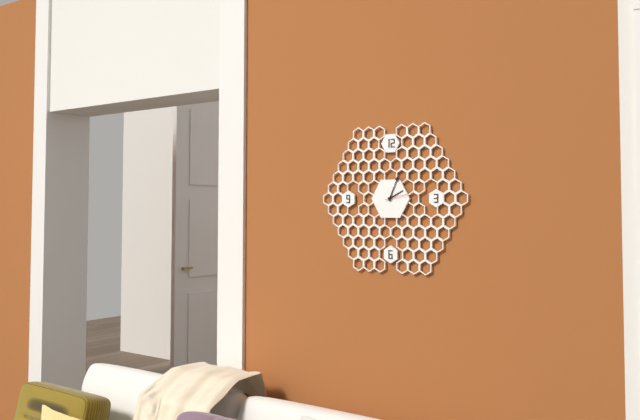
2 h 04 min
